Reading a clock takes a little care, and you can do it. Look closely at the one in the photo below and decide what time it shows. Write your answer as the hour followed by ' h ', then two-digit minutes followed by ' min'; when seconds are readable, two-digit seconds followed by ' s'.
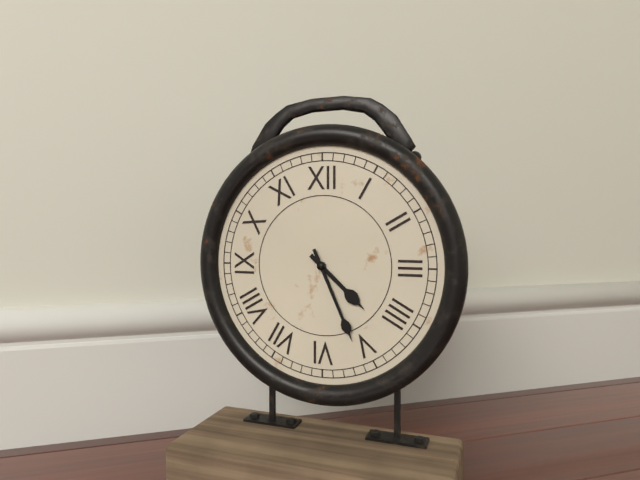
4 h 26 min
